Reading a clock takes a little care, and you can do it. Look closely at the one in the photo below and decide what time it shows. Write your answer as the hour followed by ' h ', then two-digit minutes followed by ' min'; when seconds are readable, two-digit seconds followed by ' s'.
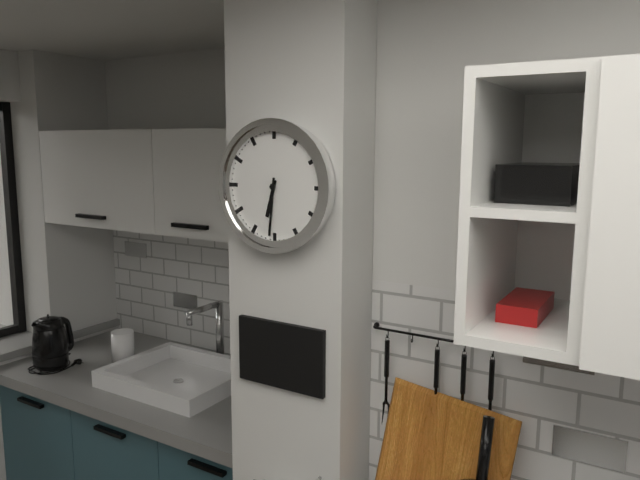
6 h 31 min
